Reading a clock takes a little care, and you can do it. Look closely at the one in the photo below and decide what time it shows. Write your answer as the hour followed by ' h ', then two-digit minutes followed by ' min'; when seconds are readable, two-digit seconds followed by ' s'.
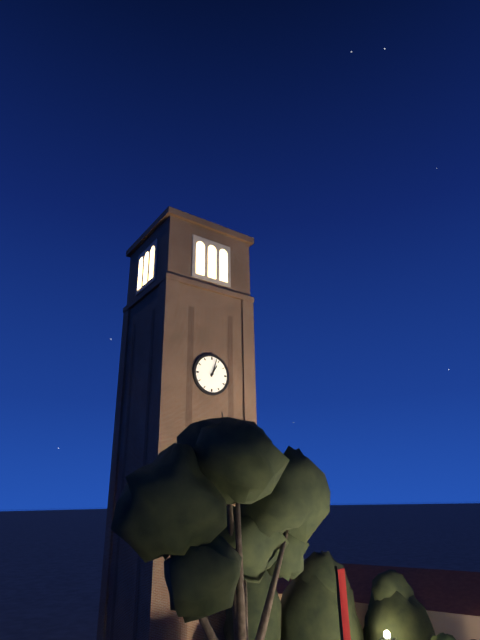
1 h 03 min
